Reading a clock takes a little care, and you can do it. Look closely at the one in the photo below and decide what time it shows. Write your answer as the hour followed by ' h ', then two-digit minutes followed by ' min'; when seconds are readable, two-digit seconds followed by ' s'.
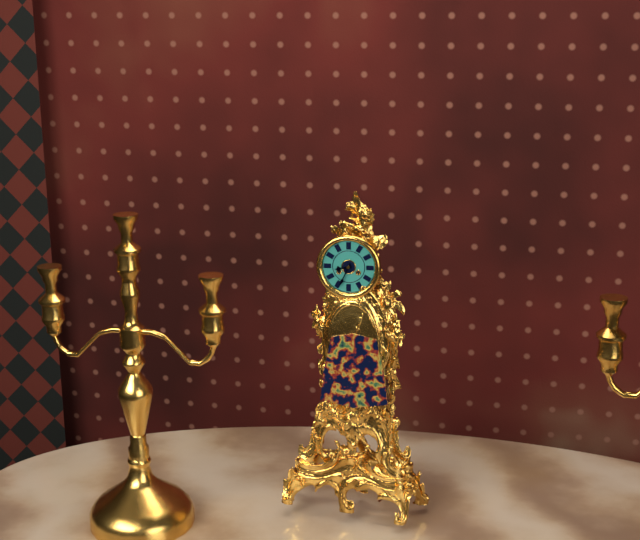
8 h 34 min
